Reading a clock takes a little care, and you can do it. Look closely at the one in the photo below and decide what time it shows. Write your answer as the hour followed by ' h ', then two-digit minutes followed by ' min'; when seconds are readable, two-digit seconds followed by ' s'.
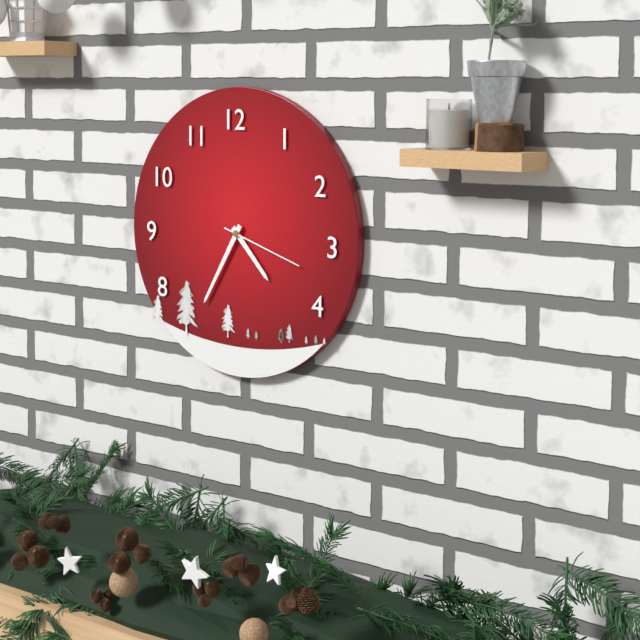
4 h 35 min 18 s
